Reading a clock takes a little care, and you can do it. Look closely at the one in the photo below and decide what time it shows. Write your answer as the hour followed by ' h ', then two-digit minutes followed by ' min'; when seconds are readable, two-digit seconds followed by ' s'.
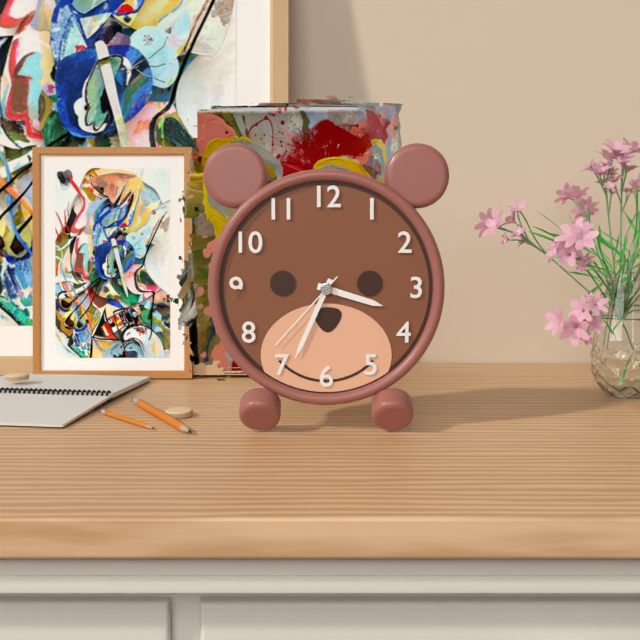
3 h 34 min 37 s
